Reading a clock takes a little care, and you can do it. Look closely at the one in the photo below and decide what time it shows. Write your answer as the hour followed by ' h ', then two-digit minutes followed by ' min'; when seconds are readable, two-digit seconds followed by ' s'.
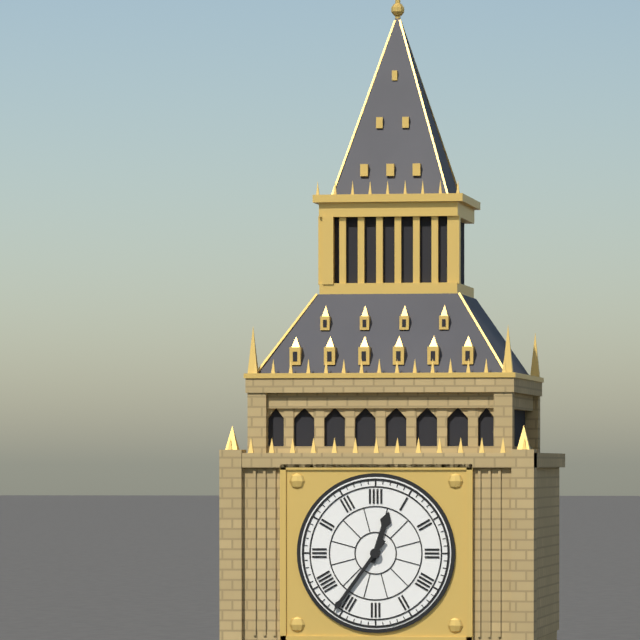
12 h 36 min
